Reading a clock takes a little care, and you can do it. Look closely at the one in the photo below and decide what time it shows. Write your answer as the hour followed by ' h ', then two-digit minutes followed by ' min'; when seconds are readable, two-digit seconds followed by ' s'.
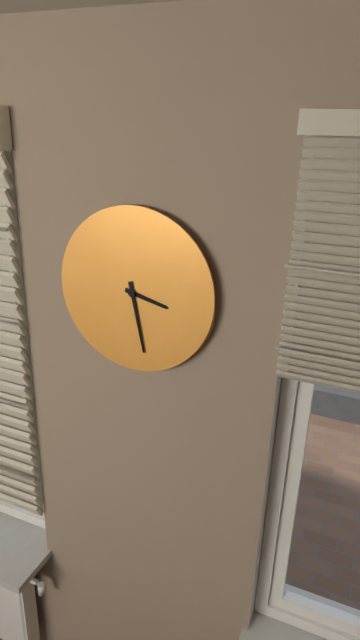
3 h 28 min
